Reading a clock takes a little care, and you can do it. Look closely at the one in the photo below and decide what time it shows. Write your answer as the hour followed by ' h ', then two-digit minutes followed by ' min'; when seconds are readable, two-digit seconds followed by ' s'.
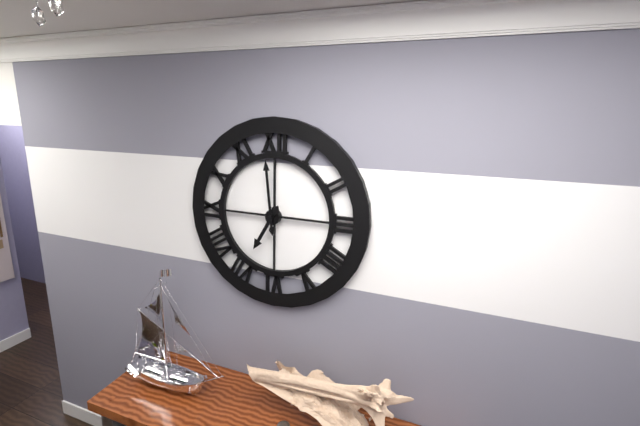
6 h 59 min
